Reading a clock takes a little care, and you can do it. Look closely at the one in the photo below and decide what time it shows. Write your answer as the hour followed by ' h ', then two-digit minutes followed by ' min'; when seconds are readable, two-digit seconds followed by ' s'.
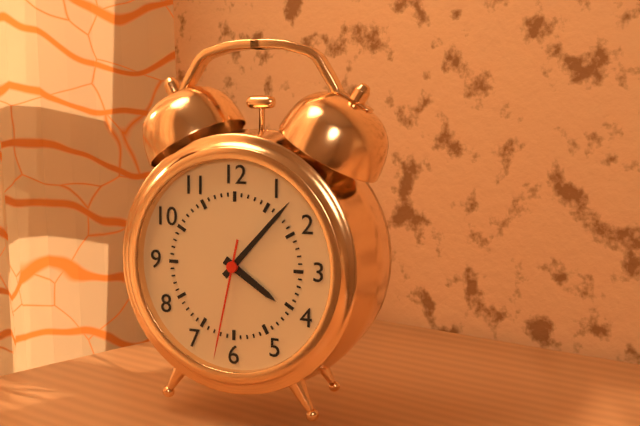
4 h 07 min 32 s
